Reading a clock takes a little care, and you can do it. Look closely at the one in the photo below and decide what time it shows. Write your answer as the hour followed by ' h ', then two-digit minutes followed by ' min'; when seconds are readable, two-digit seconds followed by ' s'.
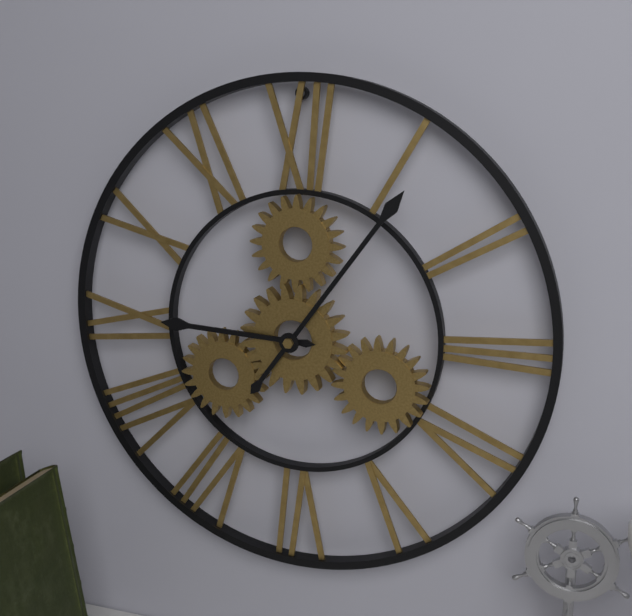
9 h 06 min
